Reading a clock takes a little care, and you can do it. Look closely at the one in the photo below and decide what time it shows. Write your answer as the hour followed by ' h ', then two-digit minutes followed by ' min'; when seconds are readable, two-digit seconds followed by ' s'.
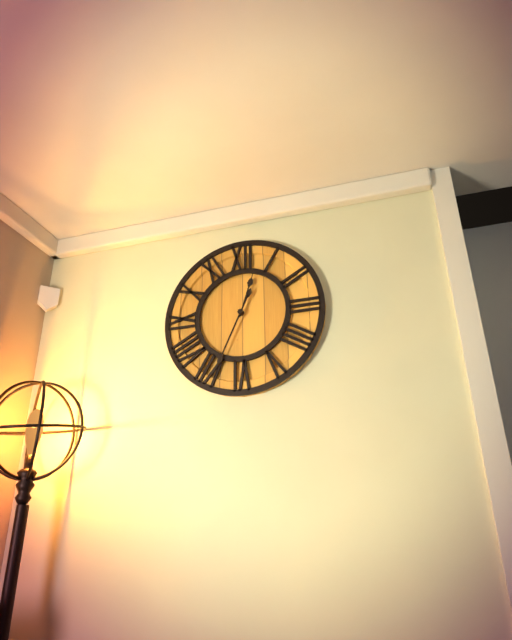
12 h 34 min
